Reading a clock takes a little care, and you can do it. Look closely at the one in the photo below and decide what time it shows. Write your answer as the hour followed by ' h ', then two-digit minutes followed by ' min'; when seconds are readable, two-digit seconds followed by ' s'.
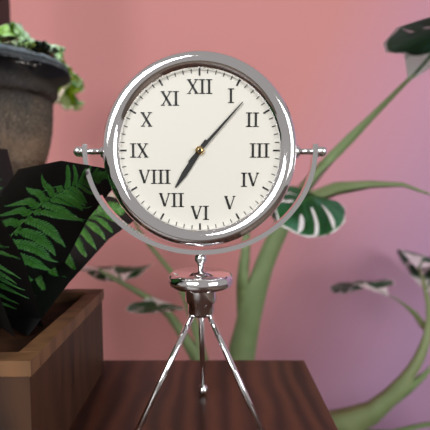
7 h 07 min
